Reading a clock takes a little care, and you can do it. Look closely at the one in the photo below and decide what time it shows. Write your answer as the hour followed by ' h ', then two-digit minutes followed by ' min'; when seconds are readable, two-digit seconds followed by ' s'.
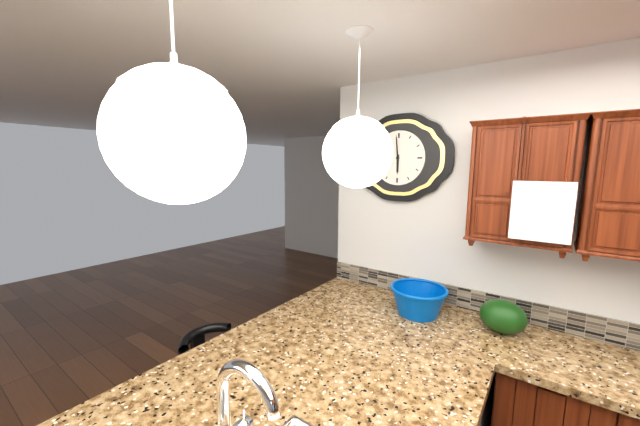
5 h 59 min
